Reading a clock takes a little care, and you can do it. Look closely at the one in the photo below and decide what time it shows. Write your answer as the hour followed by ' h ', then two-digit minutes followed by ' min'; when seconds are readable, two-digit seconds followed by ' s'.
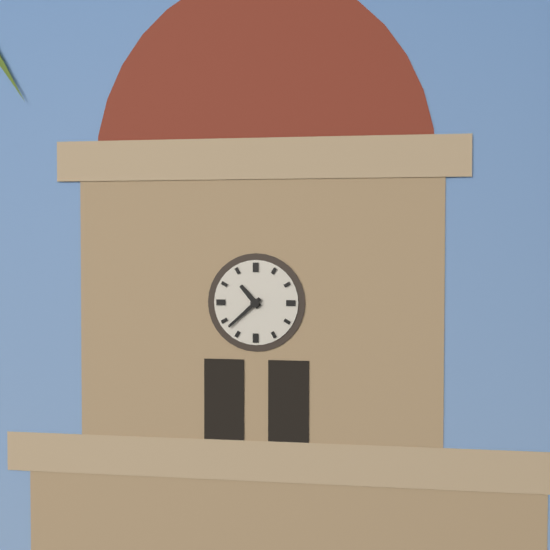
10 h 38 min
